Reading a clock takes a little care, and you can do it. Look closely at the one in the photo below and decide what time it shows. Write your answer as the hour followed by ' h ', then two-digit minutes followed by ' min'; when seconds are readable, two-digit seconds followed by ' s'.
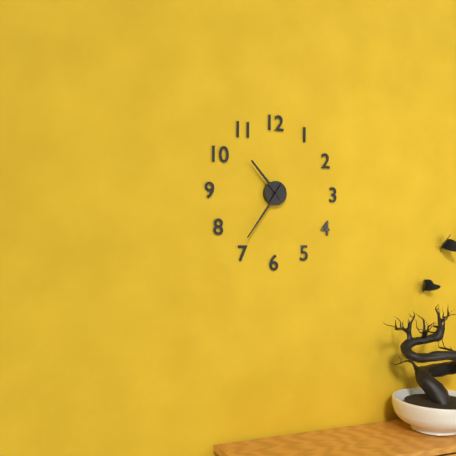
10 h 36 min
